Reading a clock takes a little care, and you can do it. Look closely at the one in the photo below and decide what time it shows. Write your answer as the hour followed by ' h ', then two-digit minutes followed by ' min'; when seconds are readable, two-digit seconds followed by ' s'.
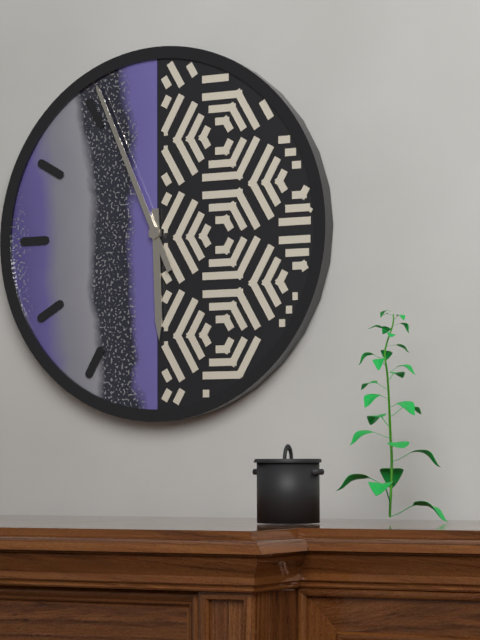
5 h 56 min
